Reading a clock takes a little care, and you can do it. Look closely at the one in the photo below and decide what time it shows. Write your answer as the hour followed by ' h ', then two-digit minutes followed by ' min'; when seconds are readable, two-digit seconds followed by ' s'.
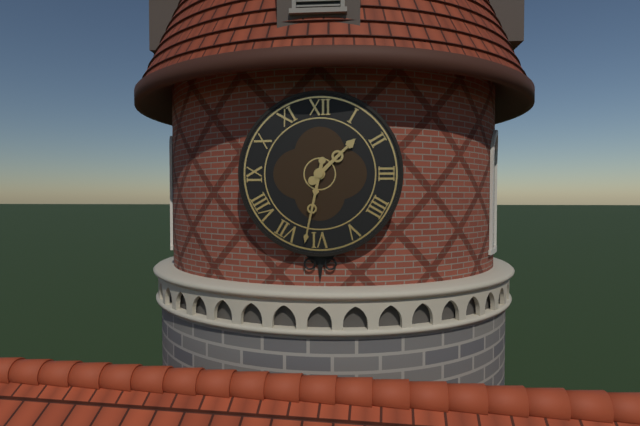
1 h 32 min
